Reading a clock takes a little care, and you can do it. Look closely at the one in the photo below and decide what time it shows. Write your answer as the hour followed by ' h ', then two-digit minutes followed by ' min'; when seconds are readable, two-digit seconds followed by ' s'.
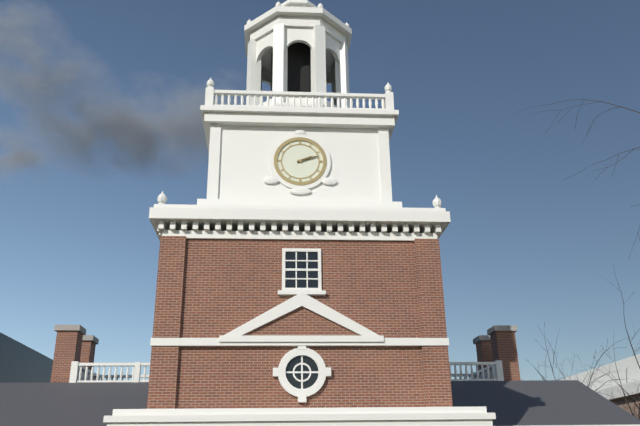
2 h 12 min
